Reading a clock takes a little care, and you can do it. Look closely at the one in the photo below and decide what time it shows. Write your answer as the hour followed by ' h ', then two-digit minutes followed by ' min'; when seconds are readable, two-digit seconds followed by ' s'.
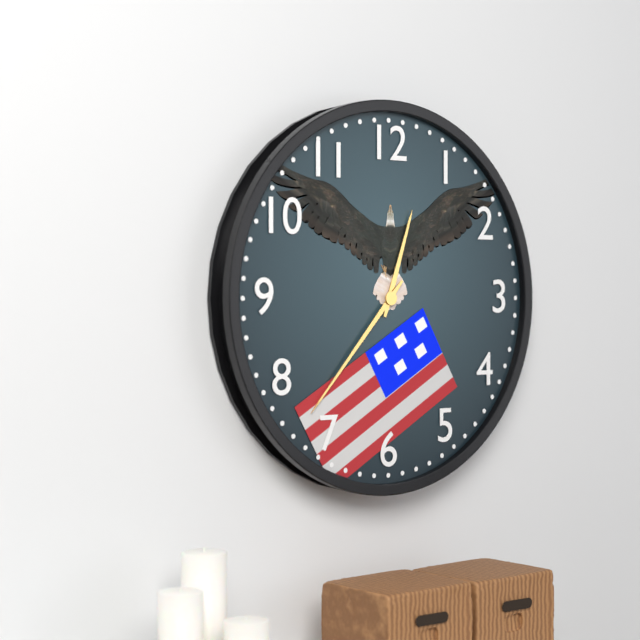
12 h 37 min
